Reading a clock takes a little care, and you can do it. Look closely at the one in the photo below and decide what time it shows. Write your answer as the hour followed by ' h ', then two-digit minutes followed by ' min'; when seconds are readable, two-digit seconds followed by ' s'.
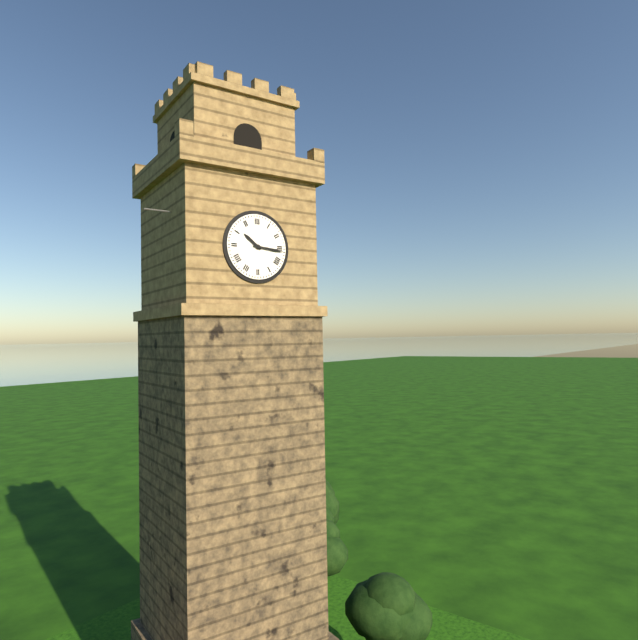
10 h 16 min
